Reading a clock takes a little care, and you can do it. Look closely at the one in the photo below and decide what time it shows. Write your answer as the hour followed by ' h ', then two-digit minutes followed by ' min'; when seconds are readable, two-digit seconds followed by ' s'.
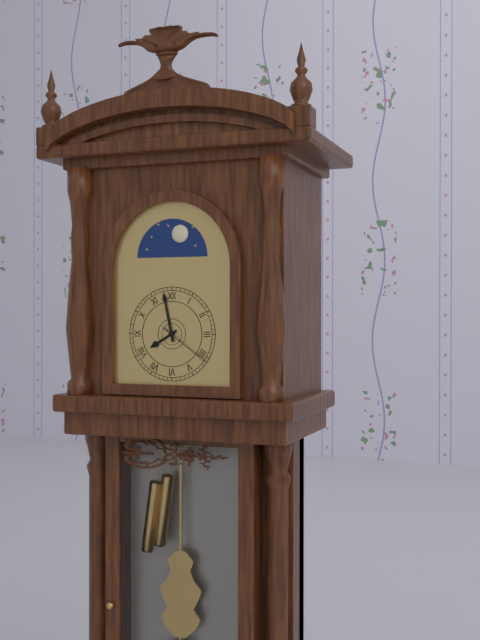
7 h 58 min 21 s
